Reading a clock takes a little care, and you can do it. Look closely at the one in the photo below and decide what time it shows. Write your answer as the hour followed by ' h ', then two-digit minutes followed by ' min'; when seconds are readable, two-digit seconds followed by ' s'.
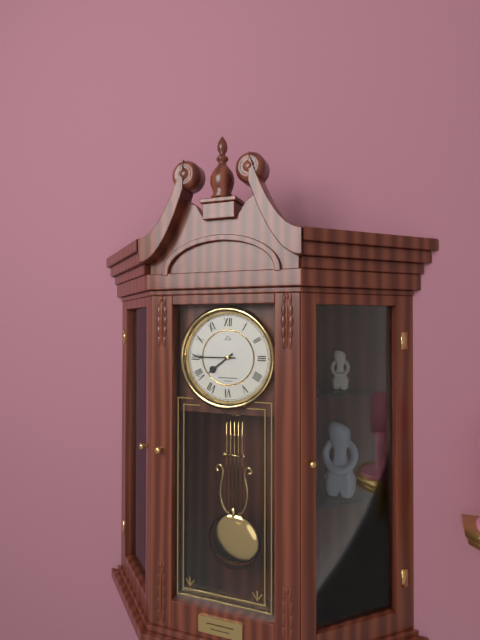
7 h 45 min
